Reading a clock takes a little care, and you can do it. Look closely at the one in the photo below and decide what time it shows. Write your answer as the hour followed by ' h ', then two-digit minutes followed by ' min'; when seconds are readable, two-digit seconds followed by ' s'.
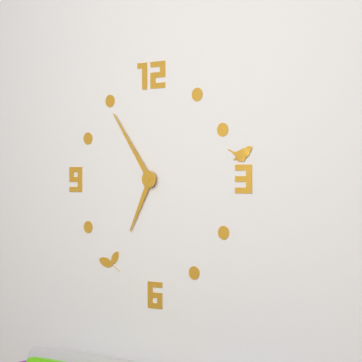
6 h 54 min
